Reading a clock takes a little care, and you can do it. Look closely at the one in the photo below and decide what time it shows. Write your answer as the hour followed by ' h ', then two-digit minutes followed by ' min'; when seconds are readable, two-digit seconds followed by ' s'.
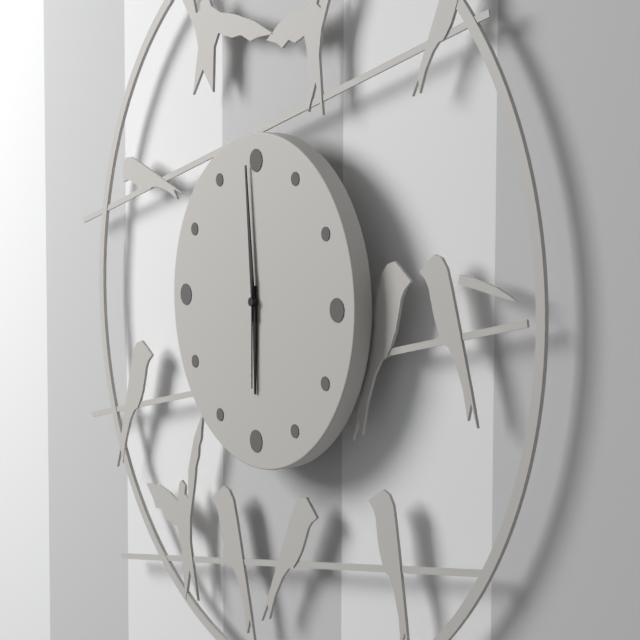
5 h 59 min 30 s
